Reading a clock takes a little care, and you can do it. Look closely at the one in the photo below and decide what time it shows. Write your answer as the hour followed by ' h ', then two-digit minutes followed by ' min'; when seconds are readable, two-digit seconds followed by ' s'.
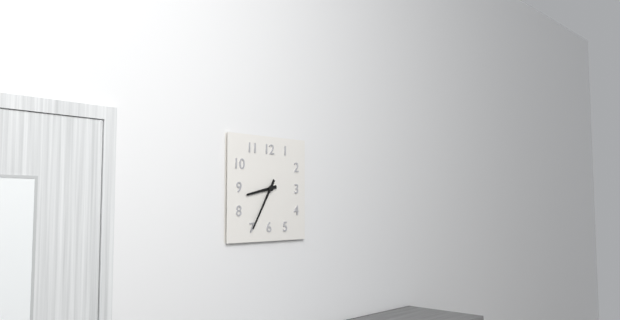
8 h 35 min
